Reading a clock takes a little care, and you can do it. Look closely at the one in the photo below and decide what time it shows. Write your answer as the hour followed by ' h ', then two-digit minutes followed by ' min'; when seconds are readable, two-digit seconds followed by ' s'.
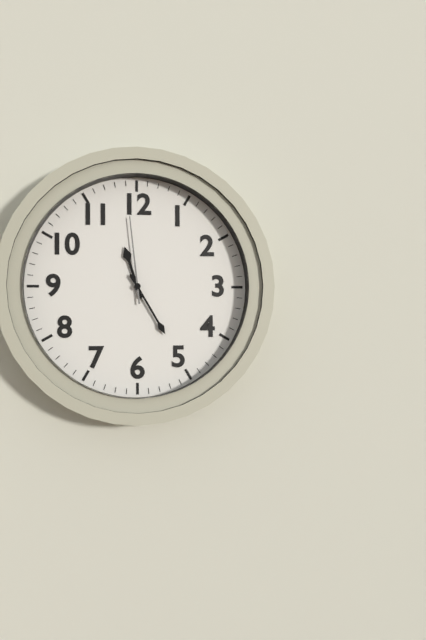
11 h 25 min 59 s
